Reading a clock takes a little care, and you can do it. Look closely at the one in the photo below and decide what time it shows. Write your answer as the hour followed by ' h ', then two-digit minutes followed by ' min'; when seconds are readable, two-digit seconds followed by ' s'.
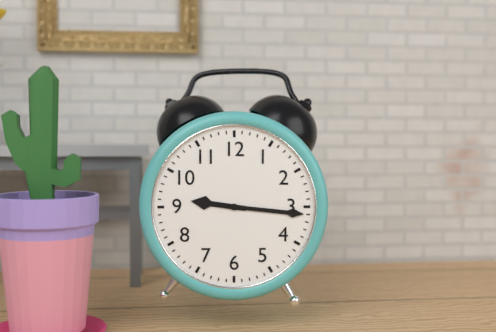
9 h 16 min
